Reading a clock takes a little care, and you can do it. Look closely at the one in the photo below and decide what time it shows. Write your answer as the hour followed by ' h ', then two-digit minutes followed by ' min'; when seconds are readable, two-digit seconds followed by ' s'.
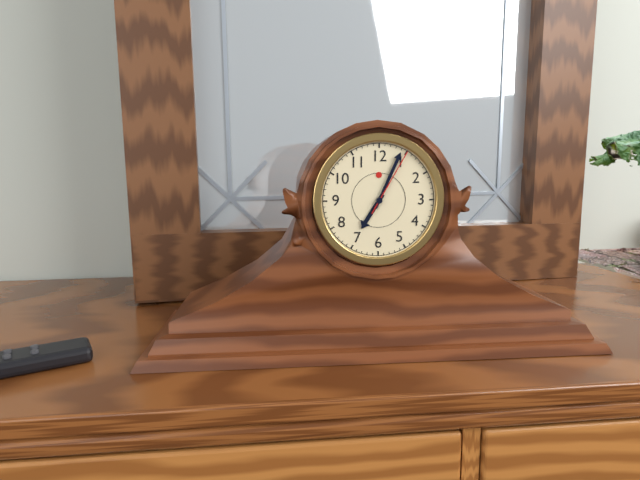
7 h 04 min 05 s
